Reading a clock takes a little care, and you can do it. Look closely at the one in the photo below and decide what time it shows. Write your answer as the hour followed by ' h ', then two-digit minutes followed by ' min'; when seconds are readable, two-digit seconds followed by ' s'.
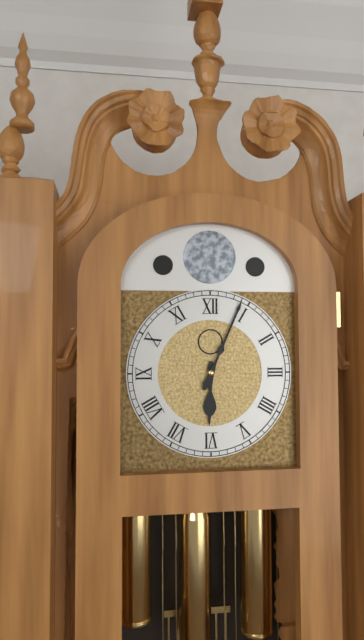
6 h 04 min
